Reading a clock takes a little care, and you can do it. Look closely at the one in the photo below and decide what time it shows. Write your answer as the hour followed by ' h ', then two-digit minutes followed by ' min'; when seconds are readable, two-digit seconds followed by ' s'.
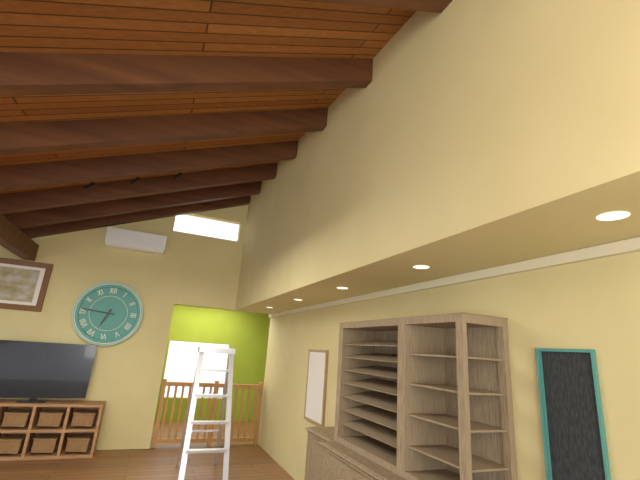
6 h 46 min
